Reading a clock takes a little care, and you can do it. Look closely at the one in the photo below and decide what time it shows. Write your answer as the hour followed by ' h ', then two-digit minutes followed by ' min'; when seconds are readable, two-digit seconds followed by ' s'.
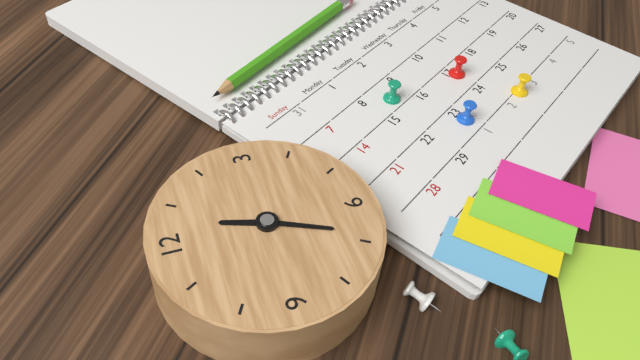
12 h 34 min
